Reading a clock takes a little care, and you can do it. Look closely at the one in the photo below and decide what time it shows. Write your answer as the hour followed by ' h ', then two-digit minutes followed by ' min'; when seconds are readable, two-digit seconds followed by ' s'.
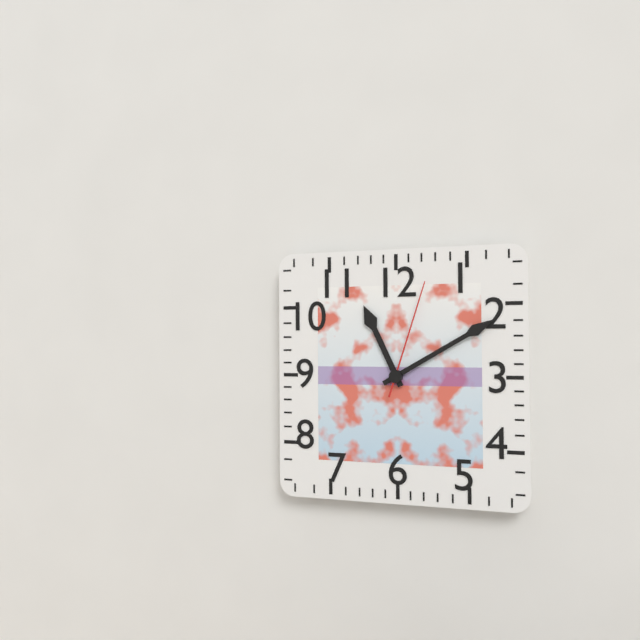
11 h 10 min 03 s
